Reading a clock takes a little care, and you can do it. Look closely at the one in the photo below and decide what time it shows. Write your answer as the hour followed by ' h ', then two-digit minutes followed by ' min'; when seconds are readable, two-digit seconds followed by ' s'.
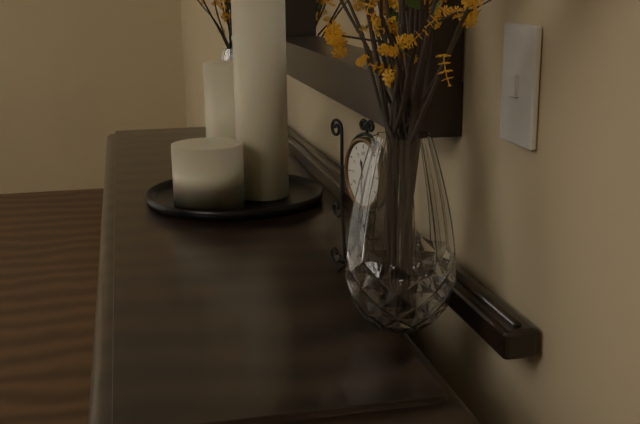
11 h 30 min
